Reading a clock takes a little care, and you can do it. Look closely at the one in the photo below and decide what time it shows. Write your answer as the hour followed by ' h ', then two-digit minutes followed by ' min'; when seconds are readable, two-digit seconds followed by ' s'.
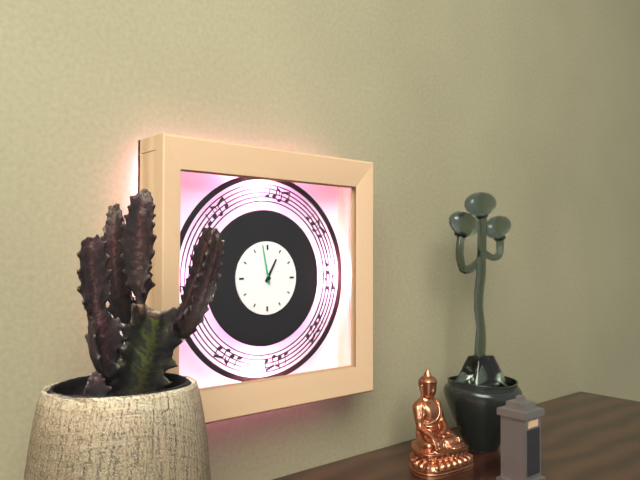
12 h 58 min
